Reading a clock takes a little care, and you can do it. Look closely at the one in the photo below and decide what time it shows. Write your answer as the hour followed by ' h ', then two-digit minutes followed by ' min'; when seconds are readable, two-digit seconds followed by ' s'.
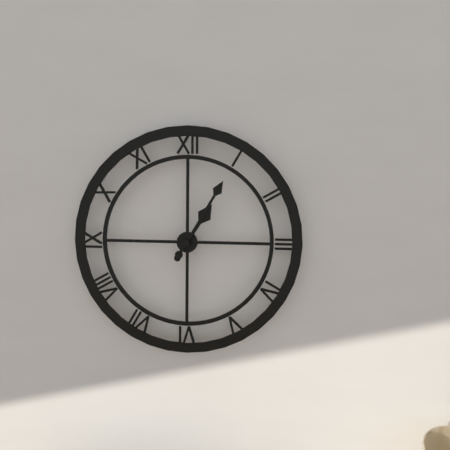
1 h 05 min
